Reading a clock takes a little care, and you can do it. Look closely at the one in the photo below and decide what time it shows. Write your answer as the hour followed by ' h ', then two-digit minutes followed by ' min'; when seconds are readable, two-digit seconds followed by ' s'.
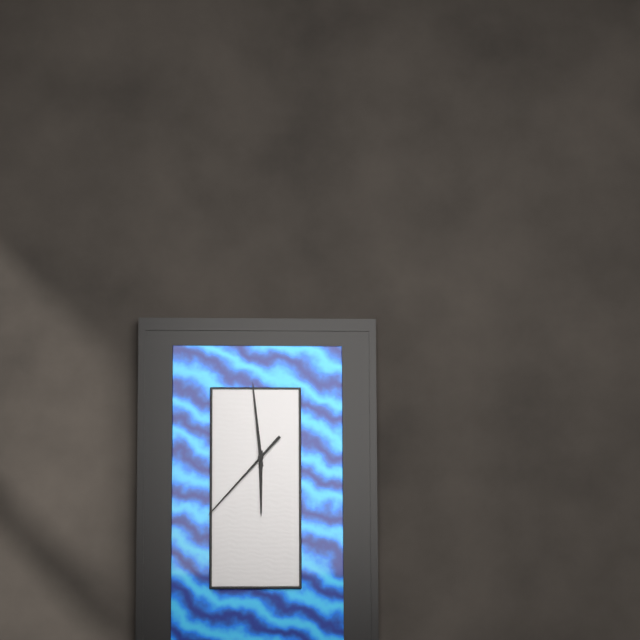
5 h 59 min 37 s
